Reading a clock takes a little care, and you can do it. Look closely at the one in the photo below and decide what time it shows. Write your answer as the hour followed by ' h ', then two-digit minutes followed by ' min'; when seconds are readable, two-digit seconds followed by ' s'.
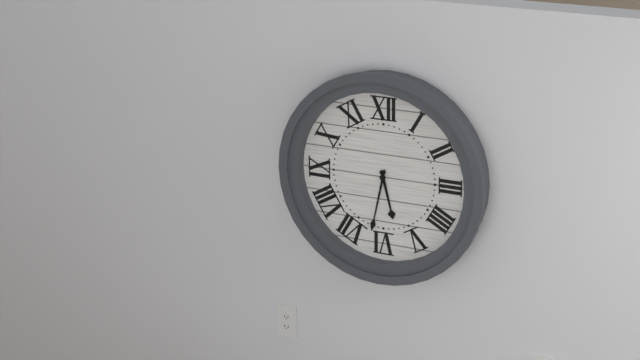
5 h 32 min
